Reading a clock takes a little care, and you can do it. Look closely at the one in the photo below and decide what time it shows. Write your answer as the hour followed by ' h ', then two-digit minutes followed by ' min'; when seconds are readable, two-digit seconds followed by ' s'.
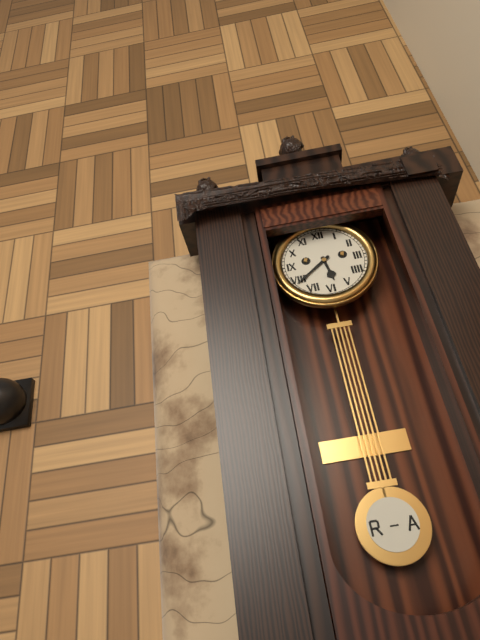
5 h 39 min
